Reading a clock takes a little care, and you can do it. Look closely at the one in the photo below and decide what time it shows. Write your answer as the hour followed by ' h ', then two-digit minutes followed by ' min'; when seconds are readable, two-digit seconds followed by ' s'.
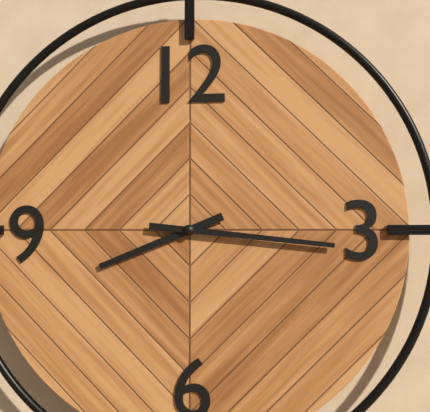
8 h 16 min
